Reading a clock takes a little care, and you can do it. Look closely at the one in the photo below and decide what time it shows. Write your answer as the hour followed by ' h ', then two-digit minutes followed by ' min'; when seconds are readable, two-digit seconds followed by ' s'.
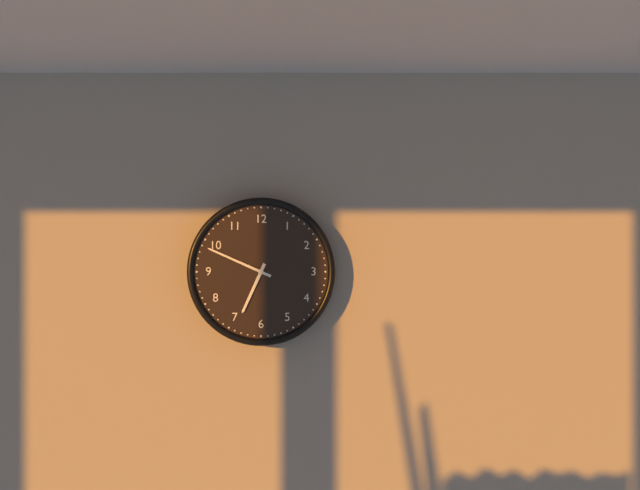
6 h 49 min
